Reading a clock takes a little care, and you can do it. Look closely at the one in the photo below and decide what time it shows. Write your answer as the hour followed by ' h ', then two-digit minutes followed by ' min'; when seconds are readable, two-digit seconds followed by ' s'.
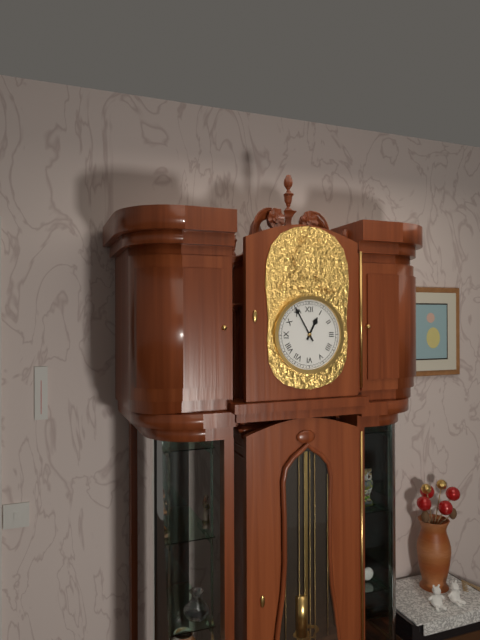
12 h 55 min
